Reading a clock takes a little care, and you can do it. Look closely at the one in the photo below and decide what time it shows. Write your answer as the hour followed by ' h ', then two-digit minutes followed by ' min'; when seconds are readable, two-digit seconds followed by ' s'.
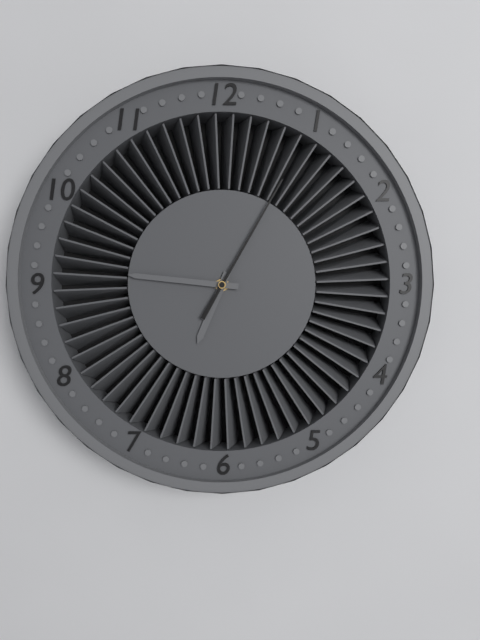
6 h 46 min 05 s
